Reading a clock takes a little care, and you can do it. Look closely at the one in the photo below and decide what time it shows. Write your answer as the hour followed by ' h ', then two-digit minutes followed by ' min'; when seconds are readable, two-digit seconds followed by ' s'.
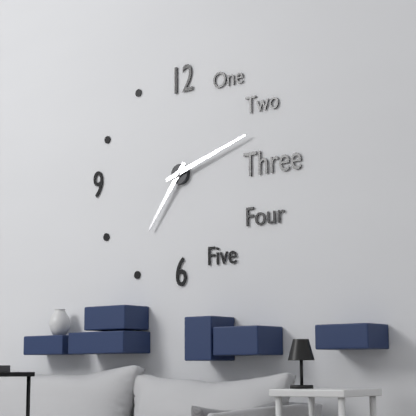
7 h 12 min
